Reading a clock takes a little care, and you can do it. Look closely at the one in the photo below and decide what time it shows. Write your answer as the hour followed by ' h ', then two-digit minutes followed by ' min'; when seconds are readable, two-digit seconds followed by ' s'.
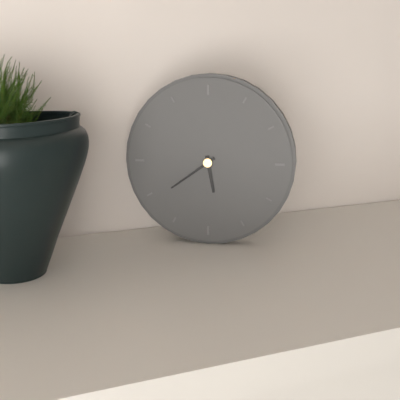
5 h 39 min
